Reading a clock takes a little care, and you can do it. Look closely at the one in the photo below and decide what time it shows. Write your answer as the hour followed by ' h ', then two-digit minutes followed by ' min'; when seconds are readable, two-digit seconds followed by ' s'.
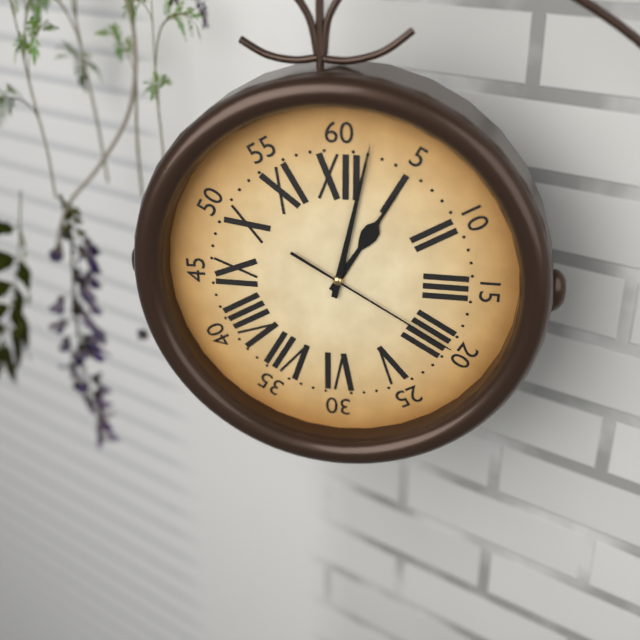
1 h 02 min 20 s
